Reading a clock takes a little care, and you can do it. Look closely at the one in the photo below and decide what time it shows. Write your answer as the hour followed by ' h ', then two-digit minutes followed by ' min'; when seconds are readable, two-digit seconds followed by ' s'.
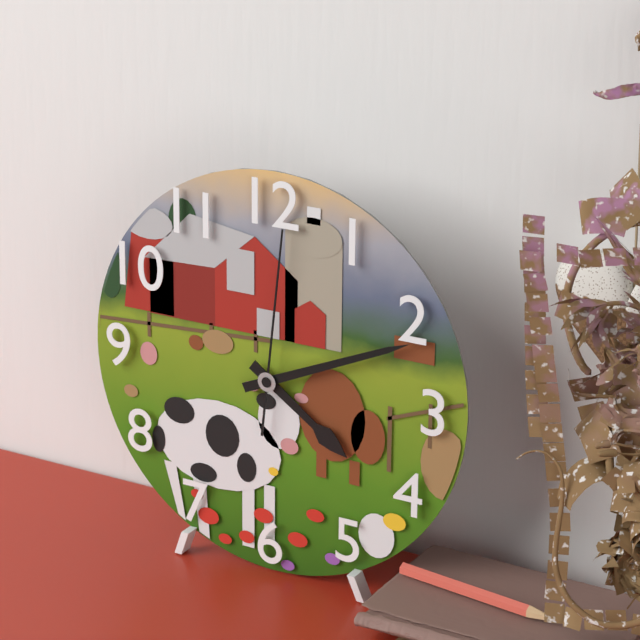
4 h 11 min 01 s
